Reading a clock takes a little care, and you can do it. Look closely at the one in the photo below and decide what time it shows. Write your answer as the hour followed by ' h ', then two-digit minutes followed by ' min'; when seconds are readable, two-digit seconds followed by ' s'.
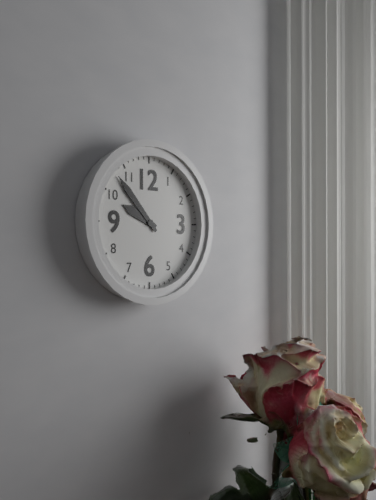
9 h 53 min
